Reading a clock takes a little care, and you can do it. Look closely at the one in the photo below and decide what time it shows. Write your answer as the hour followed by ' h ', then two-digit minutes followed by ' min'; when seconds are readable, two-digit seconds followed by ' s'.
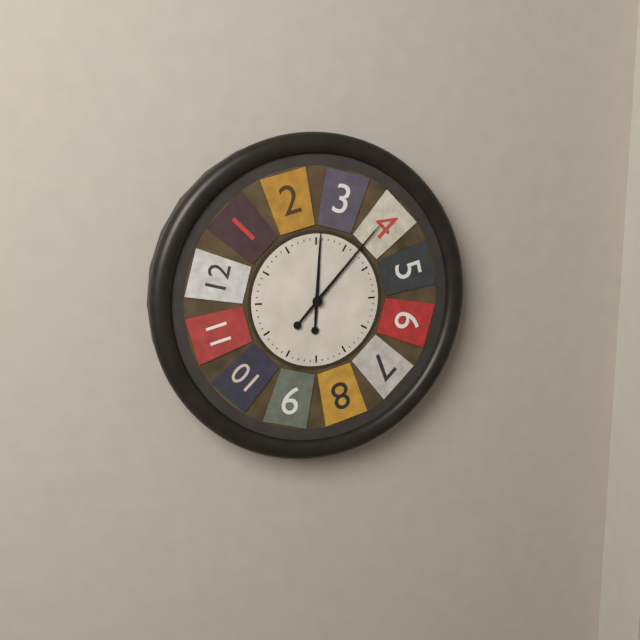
12 h 07 min
